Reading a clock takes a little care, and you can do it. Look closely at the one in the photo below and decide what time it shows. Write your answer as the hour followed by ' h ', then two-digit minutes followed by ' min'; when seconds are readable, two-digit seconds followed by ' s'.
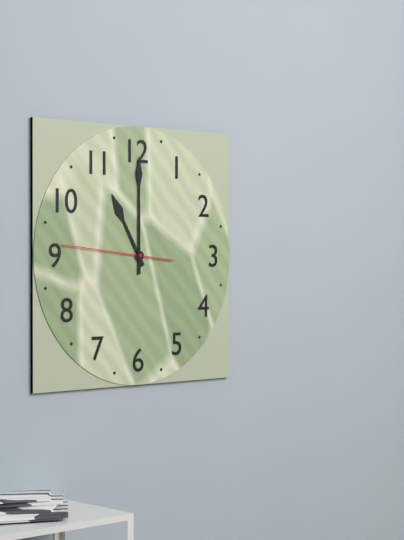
11 h 00 min 46 s
